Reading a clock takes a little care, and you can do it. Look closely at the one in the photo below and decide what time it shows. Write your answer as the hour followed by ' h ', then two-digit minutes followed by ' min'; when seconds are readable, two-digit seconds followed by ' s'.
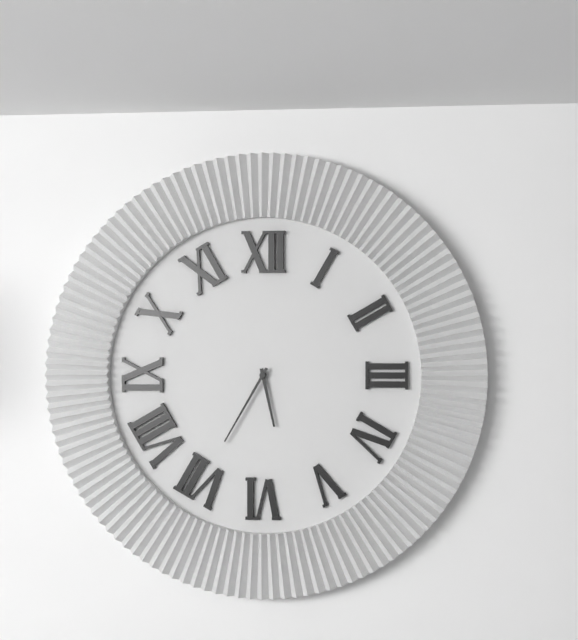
5 h 35 min
